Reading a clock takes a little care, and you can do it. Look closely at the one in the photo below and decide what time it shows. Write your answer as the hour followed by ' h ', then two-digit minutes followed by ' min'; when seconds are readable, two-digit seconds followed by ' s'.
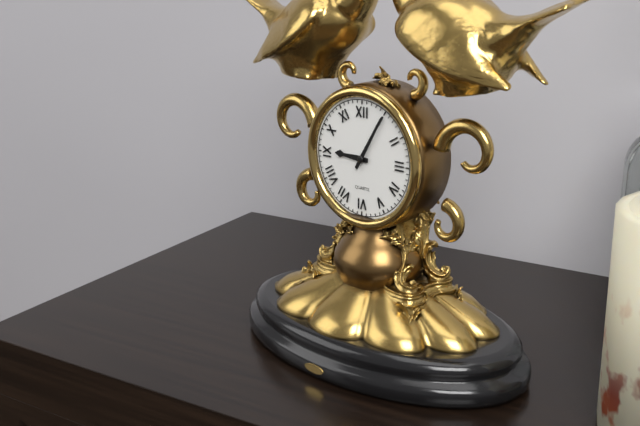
9 h 05 min
